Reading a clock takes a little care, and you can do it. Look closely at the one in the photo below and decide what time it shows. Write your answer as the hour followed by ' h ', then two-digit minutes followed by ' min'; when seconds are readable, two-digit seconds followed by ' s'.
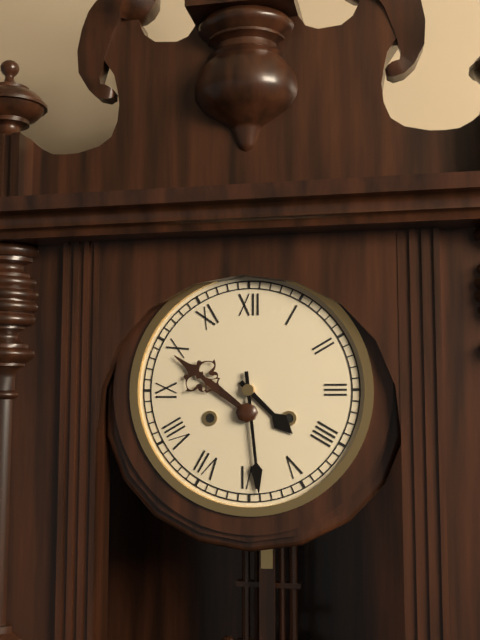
4 h 29 min
